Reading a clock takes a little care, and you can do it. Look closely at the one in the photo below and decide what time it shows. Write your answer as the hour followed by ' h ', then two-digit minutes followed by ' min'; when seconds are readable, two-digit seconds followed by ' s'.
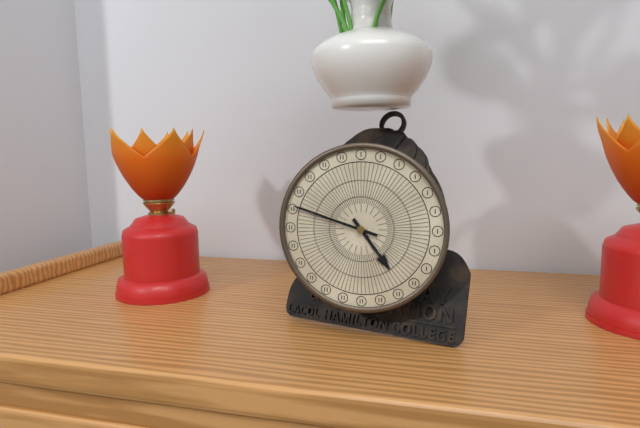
4 h 48 min
